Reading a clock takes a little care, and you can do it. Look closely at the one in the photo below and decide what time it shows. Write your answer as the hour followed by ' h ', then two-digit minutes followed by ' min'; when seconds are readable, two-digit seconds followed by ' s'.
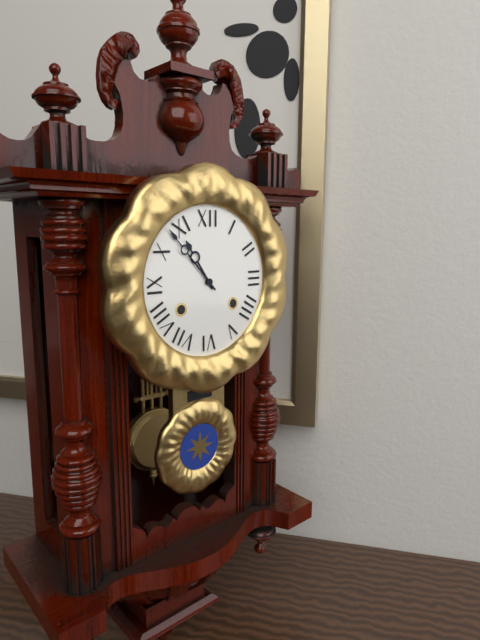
10 h 53 min
